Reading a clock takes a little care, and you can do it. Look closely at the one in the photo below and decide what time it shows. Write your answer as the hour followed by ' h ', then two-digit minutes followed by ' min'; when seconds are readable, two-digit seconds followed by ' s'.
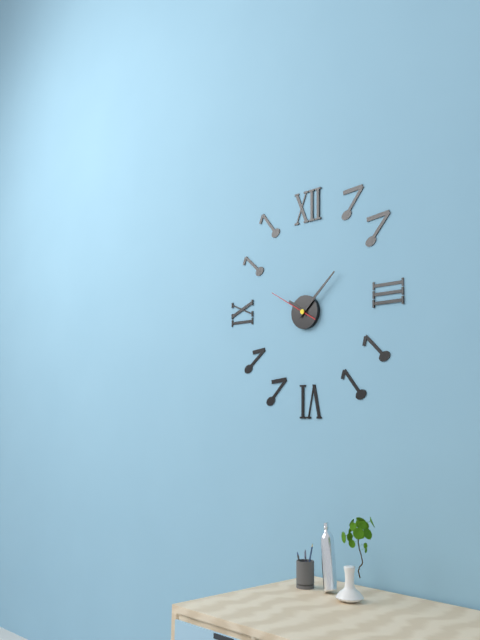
10 h 08 min
